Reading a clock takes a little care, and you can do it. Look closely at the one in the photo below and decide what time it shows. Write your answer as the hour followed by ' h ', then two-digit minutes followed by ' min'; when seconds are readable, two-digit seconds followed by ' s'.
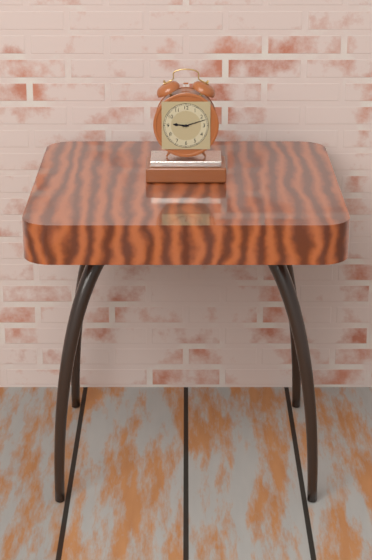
9 h 12 min
